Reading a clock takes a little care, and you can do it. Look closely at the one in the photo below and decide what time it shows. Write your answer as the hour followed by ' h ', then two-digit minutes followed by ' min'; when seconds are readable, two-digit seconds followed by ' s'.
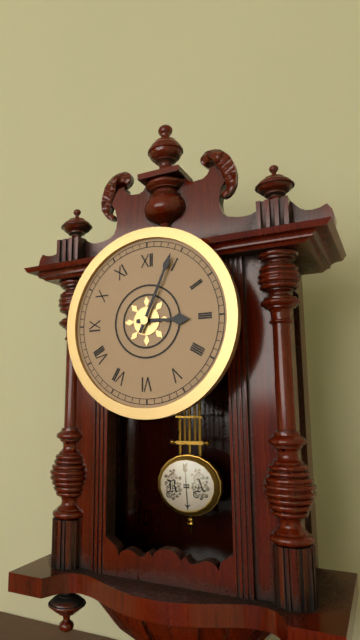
3 h 04 min
